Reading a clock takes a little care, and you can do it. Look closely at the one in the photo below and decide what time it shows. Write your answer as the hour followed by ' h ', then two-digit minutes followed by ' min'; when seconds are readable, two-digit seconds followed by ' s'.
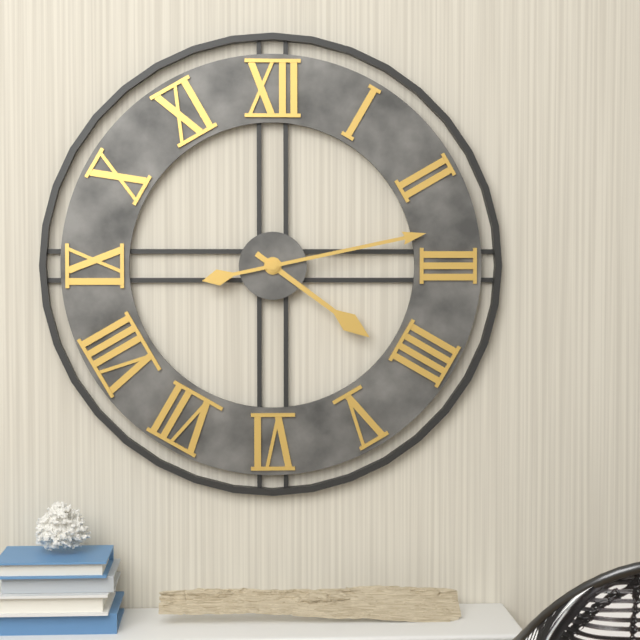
4 h 13 min
